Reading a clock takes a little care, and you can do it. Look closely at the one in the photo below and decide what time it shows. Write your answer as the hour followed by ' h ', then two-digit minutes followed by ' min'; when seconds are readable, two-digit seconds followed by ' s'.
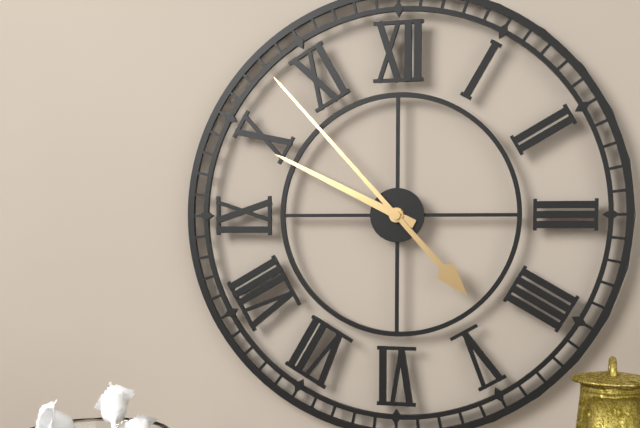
9 h 53 min
